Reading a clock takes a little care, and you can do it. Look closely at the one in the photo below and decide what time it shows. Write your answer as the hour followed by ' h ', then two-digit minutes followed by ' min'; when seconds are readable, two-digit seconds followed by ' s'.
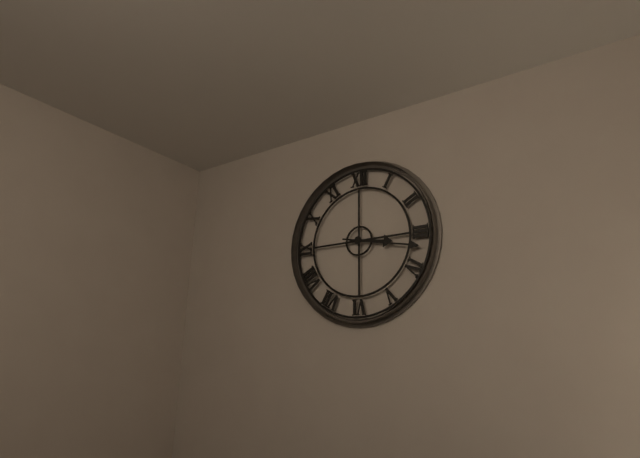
3 h 17 min
